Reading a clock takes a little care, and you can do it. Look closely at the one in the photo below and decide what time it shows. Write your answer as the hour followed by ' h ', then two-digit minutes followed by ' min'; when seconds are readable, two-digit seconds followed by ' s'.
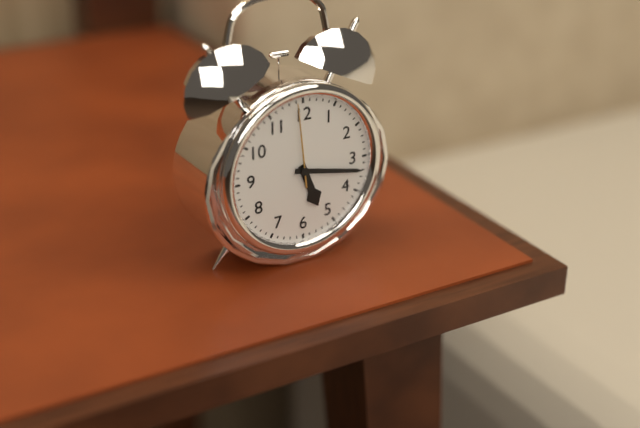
5 h 17 min 59 s
